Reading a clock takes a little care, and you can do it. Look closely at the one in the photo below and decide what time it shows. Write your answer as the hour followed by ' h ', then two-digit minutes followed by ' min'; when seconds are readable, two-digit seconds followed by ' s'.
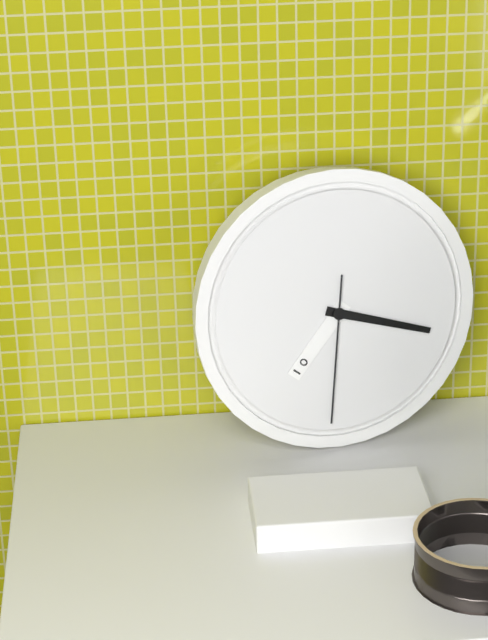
7 h 18 min 31 s
